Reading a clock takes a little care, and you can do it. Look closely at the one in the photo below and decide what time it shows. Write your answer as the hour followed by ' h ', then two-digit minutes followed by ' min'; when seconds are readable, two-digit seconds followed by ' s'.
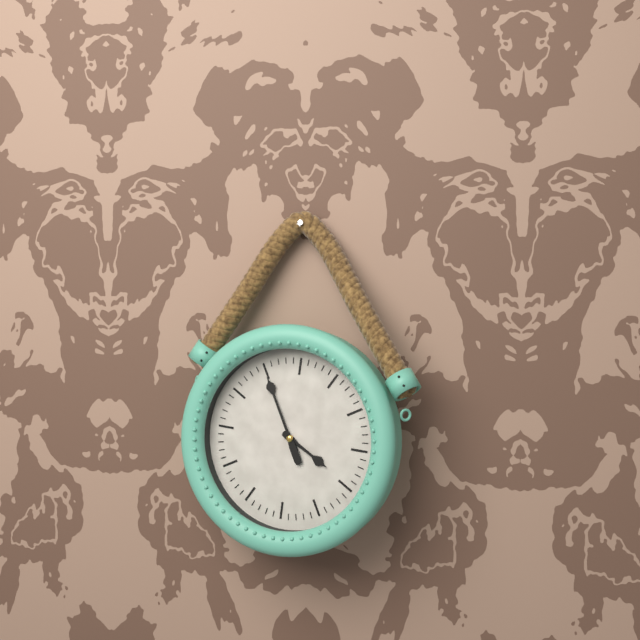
3 h 55 min
